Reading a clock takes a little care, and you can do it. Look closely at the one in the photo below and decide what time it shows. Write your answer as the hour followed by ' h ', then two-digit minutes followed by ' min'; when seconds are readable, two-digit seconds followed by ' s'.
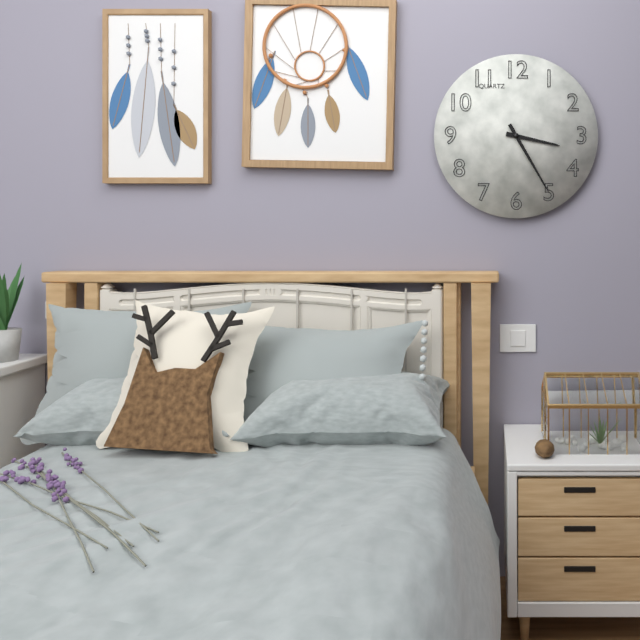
3 h 25 min
